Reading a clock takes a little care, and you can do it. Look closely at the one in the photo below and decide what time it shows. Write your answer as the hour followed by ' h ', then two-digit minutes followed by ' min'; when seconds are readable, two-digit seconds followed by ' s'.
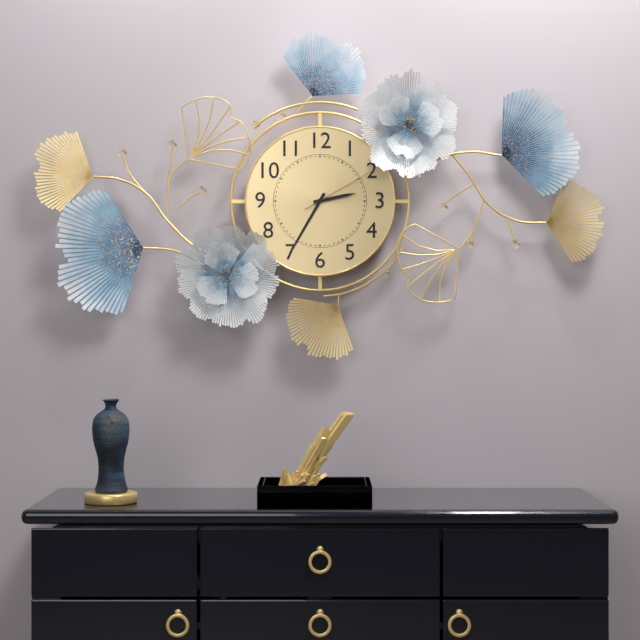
2 h 35 min 10 s
